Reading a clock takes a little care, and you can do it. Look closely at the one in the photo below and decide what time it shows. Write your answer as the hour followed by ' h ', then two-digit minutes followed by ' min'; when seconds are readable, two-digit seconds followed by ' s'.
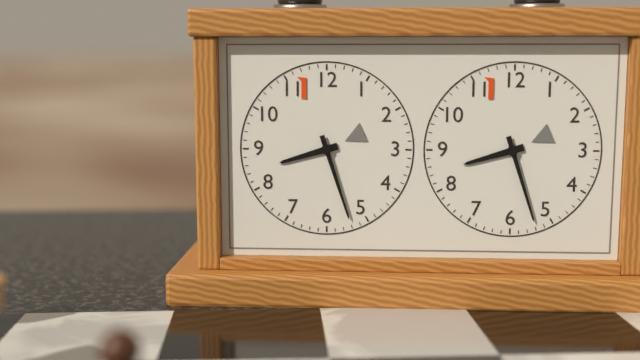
8 h 27 min
